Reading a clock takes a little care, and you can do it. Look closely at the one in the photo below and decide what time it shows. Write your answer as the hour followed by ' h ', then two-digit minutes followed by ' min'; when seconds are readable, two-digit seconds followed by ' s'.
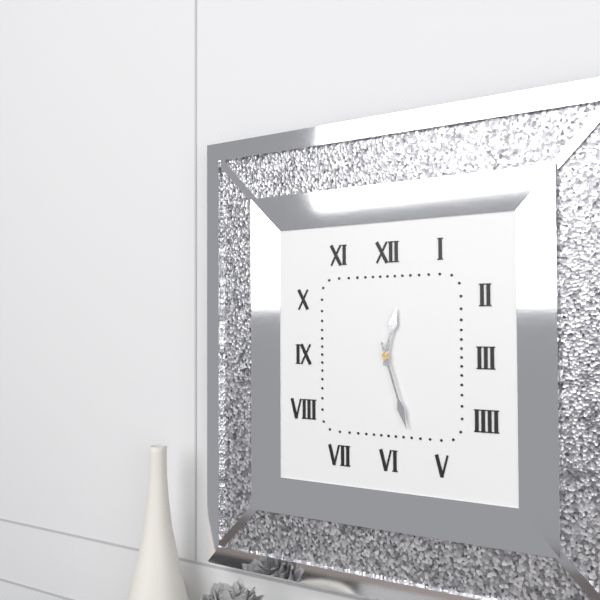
12 h 27 min
